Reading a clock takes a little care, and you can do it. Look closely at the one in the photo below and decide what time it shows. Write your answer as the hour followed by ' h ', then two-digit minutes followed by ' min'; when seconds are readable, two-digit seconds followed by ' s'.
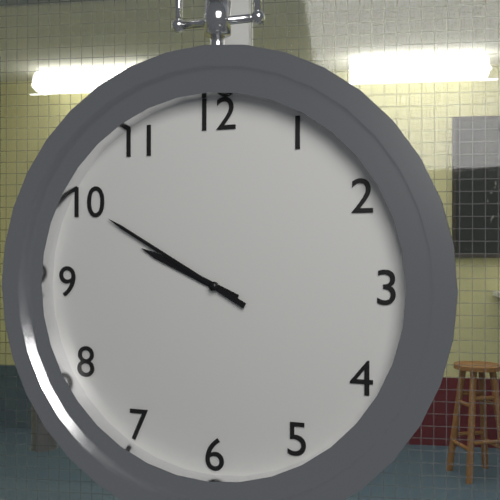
9 h 50 min
